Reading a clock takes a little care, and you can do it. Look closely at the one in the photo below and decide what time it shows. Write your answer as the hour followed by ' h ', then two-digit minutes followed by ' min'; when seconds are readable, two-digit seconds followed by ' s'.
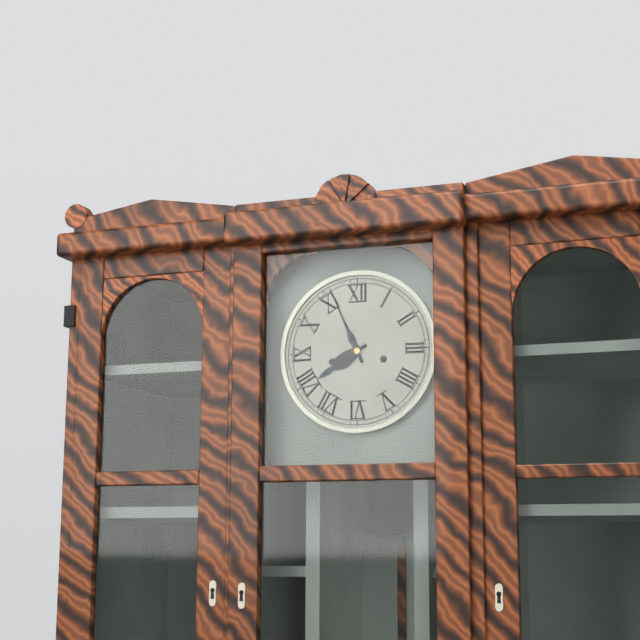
7 h 56 min
